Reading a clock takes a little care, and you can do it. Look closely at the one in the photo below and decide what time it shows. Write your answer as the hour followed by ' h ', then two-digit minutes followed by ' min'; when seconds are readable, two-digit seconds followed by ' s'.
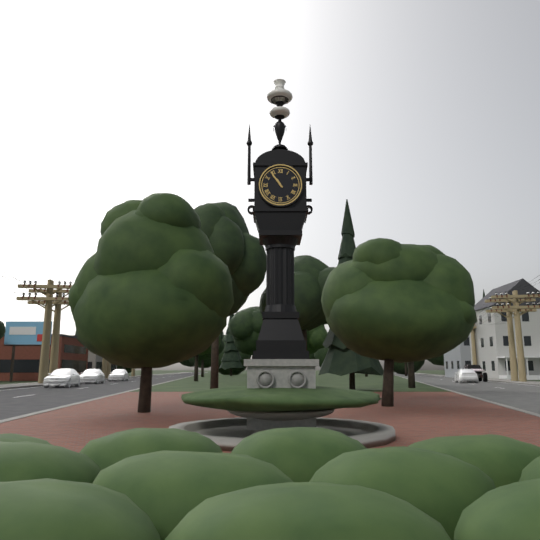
10 h 54 min
